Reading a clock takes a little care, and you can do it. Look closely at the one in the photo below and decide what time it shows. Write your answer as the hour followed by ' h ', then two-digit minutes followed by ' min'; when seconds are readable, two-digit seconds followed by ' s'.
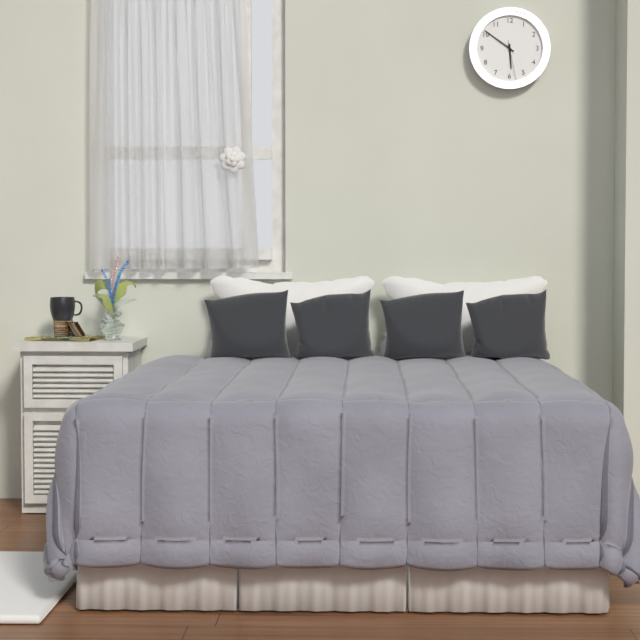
5 h 51 min
